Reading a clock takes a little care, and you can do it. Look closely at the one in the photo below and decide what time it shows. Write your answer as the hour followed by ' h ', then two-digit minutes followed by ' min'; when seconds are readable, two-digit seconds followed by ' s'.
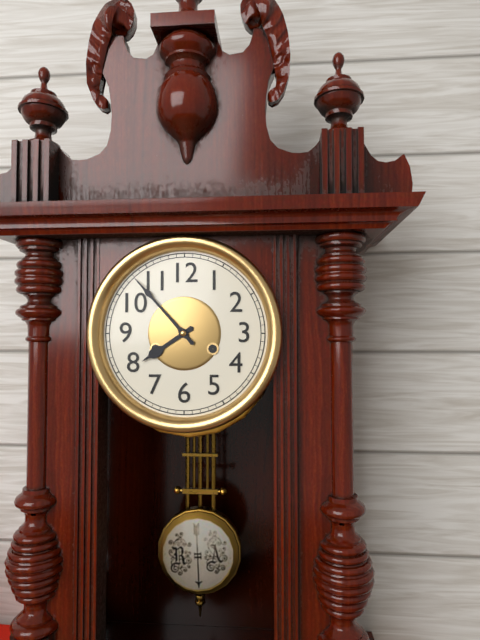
7 h 53 min
